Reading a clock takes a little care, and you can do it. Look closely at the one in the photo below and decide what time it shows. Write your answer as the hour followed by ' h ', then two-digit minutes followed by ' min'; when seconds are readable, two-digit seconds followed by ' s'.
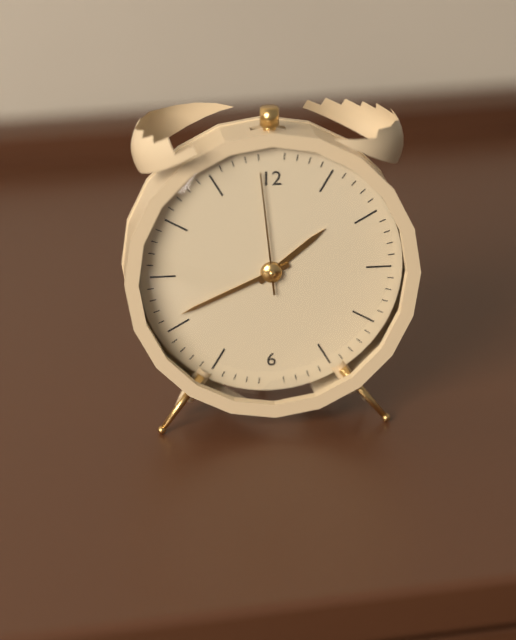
1 h 41 min 59 s
